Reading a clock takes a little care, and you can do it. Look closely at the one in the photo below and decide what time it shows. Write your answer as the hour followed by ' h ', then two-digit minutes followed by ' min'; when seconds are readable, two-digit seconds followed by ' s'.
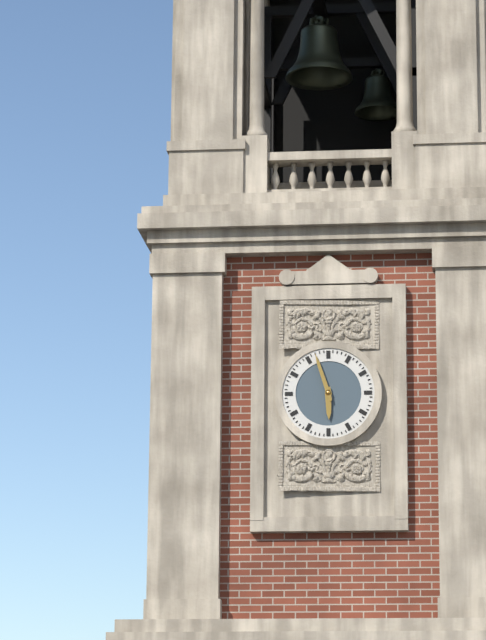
5 h 57 min
